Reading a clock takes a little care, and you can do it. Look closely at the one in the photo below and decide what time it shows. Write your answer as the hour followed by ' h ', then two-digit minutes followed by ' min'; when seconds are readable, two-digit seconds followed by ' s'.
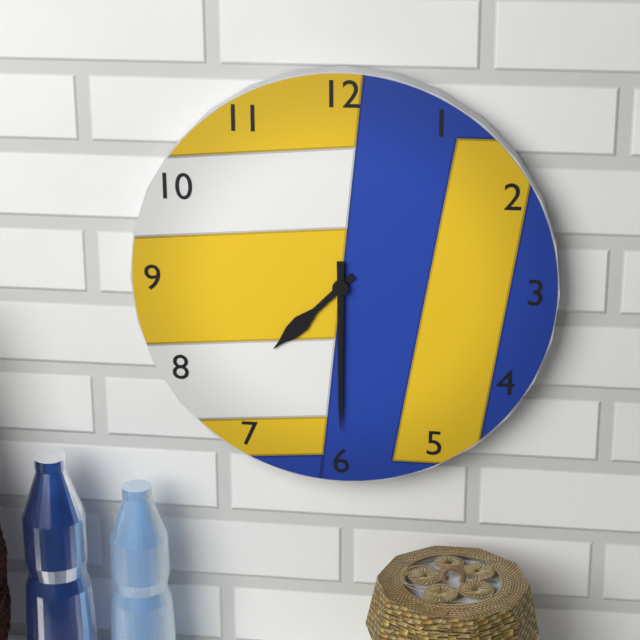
7 h 30 min
